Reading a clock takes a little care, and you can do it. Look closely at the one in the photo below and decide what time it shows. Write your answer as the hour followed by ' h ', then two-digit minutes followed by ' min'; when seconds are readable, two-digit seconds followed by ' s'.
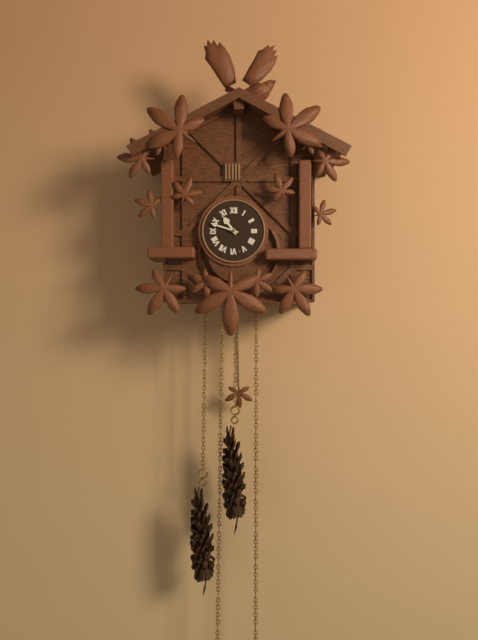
10 h 48 min
